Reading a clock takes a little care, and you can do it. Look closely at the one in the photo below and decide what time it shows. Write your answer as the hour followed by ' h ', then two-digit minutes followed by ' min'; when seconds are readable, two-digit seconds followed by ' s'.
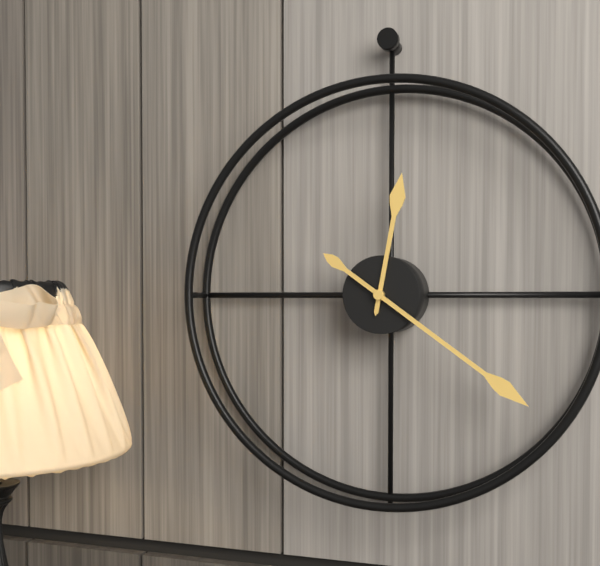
12 h 21 min
